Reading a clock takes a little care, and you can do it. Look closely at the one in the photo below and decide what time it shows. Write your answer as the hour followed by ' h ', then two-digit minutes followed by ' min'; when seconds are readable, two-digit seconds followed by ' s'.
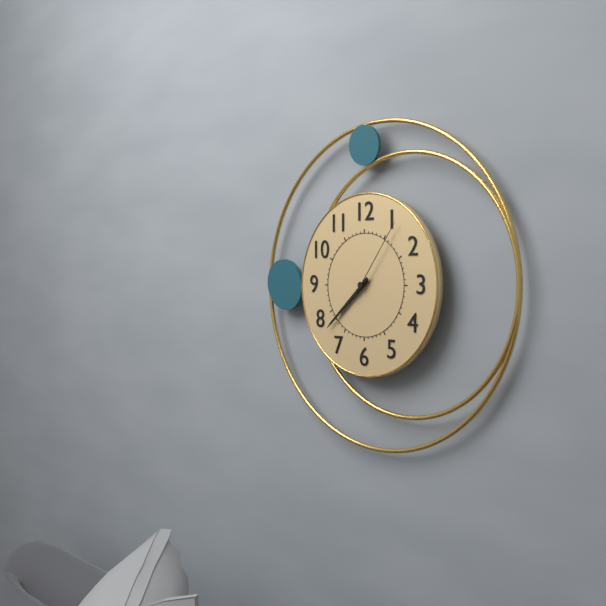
7 h 38 min 06 s
